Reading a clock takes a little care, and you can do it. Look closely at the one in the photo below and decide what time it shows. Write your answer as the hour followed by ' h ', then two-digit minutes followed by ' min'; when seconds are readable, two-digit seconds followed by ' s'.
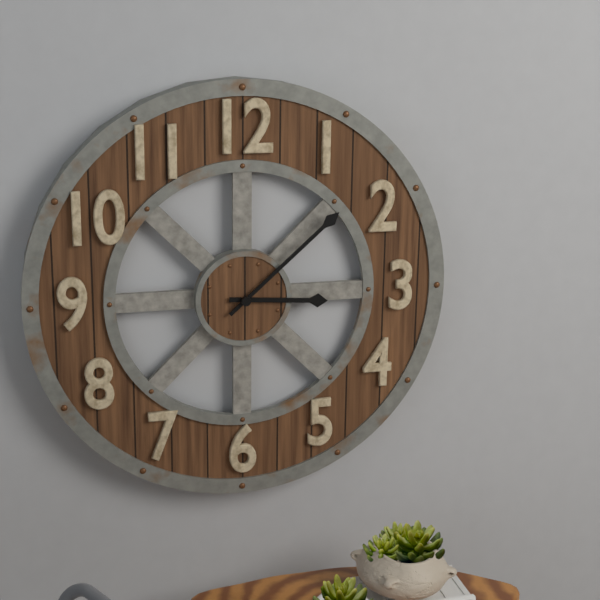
3 h 08 min
